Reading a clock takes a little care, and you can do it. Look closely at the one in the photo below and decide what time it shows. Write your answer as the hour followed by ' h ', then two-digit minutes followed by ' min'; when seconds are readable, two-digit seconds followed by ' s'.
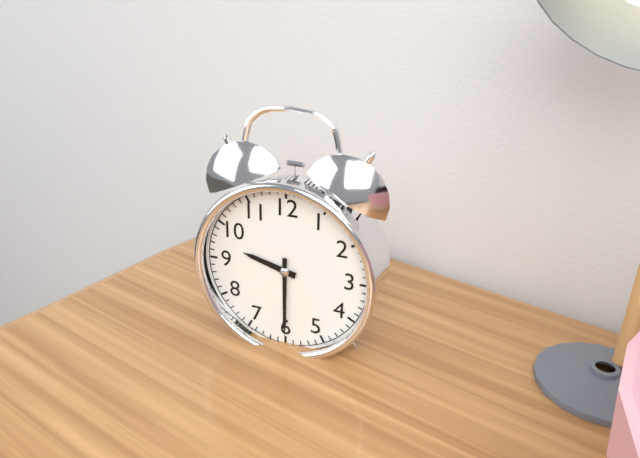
9 h 30 min
